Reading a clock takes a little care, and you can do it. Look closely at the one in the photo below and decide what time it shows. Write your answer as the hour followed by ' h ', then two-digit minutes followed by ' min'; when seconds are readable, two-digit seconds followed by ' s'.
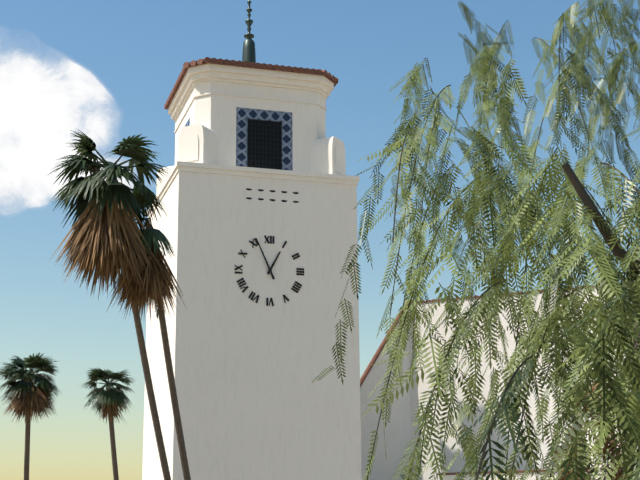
12 h 56 min
